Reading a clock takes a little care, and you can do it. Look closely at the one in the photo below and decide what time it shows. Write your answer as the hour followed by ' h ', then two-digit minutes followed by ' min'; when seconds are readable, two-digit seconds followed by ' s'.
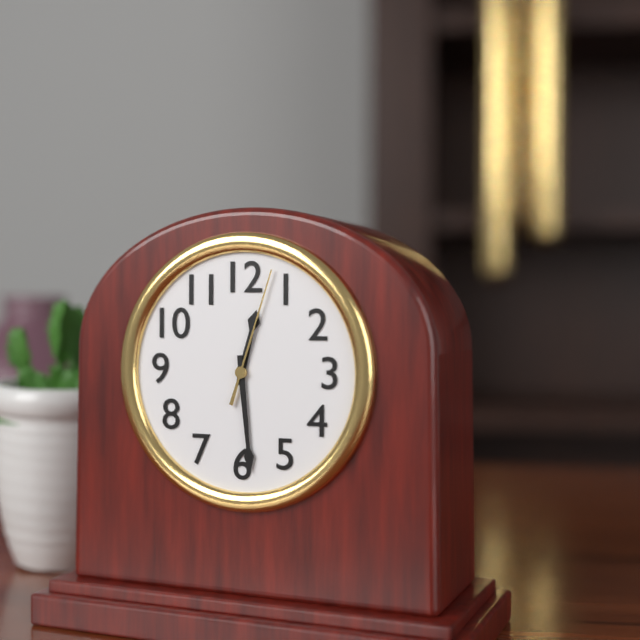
12 h 29 min 03 s
